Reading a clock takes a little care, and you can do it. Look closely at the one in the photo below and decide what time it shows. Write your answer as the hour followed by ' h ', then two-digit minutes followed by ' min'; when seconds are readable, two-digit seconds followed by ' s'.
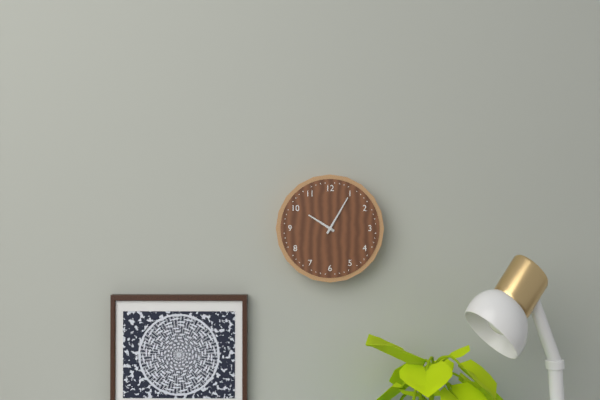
10 h 05 min
